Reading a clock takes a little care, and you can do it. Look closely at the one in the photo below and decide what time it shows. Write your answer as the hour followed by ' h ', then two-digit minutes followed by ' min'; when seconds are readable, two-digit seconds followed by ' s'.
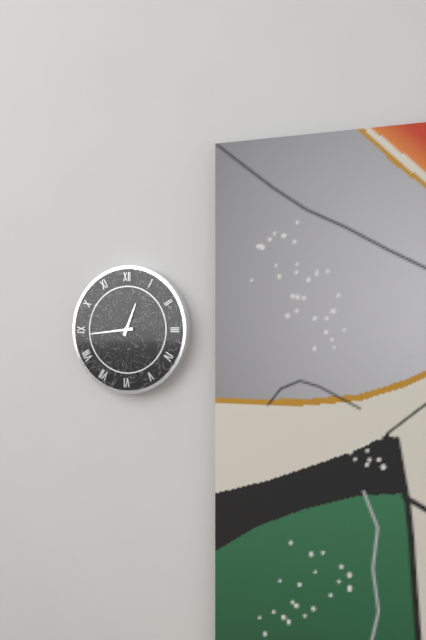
12 h 44 min
